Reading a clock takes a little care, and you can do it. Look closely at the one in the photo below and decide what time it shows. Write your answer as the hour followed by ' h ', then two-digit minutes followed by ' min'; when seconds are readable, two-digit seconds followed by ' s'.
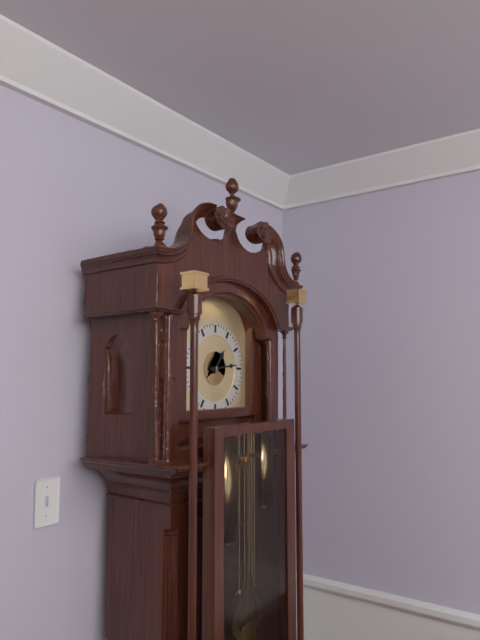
1 h 14 min
